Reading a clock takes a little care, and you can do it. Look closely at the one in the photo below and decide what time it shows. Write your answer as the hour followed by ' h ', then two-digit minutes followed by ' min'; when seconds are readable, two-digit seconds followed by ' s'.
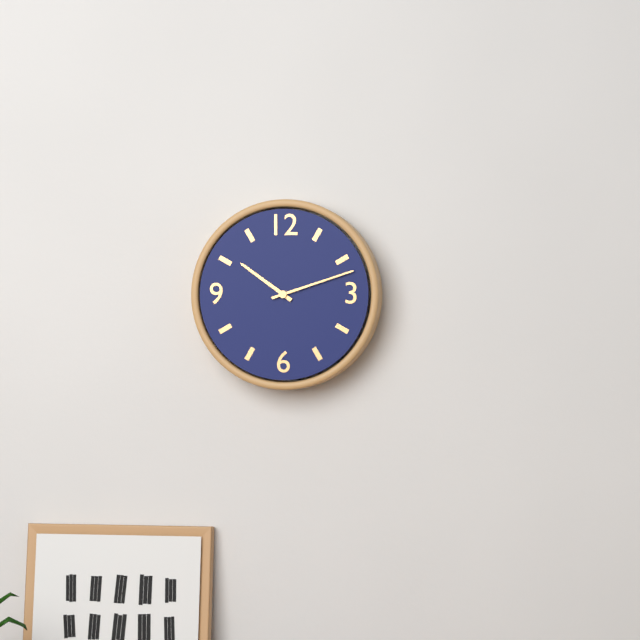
10 h 12 min
